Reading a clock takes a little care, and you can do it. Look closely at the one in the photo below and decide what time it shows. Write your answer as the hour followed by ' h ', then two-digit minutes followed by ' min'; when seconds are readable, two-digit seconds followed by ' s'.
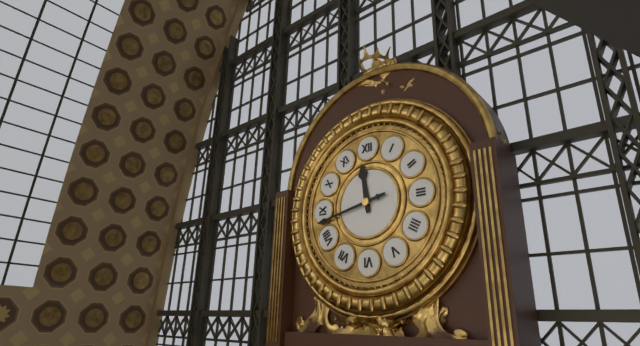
11 h 43 min
